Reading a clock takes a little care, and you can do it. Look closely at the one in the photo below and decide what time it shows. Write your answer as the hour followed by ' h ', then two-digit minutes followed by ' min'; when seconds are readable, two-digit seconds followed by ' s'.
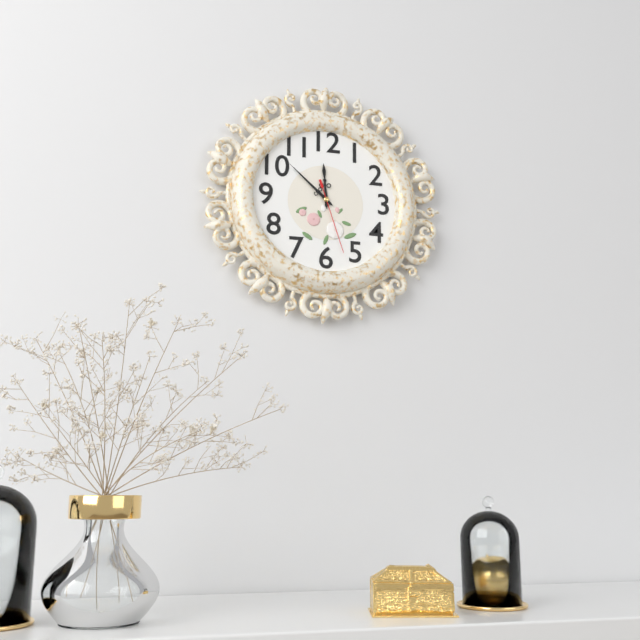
11 h 52 min 27 s
